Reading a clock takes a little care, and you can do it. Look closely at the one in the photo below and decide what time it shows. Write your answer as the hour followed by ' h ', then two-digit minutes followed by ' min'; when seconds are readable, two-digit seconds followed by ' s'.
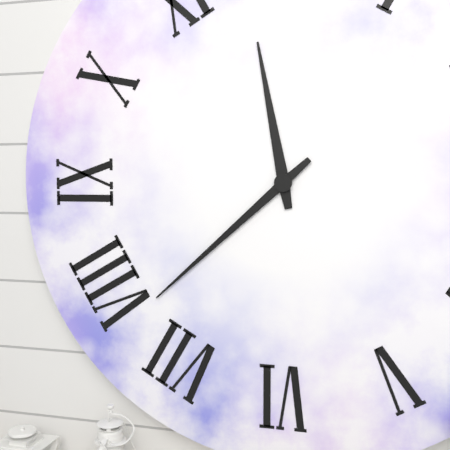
11 h 38 min
